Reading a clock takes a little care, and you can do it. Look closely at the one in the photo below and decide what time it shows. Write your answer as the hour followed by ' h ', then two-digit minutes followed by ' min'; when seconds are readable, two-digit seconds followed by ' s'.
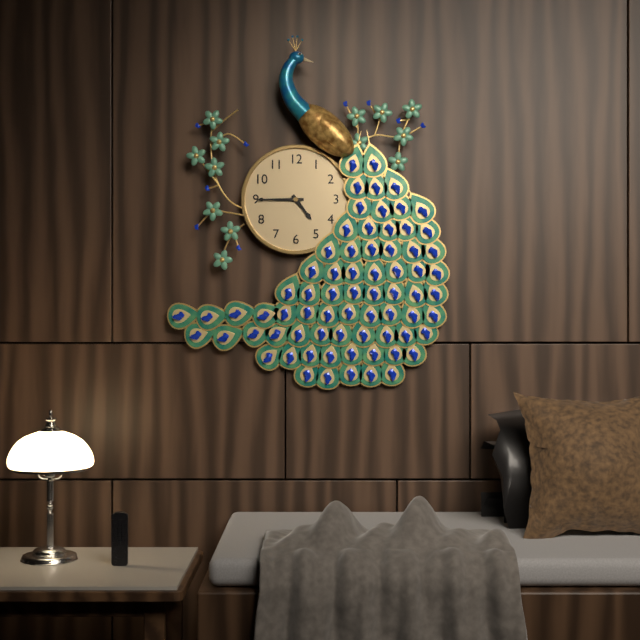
4 h 45 min
